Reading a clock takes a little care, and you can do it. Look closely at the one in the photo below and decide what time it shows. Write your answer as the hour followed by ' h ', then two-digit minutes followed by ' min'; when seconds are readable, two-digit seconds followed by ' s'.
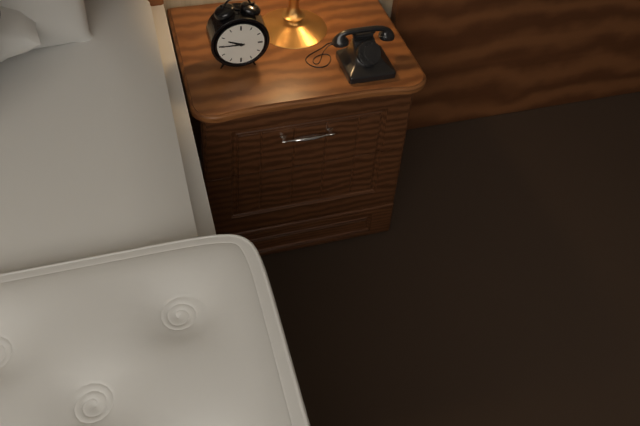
9 h 45 min
